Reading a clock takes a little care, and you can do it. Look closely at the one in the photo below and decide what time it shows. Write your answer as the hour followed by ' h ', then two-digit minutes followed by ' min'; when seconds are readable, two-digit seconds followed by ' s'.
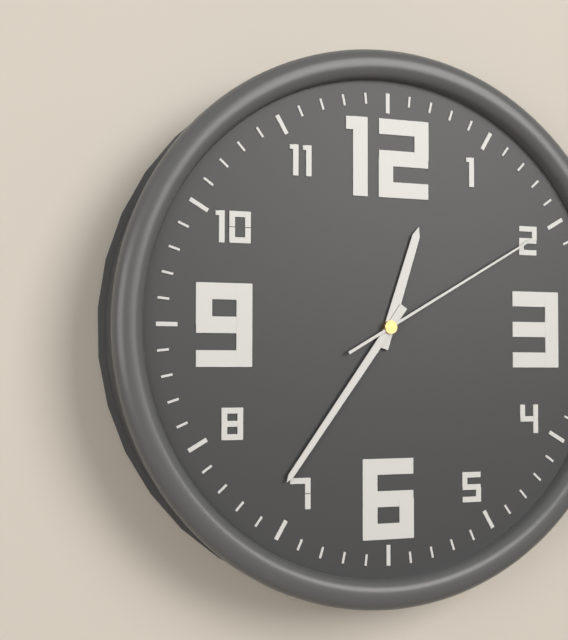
12 h 36 min 10 s
